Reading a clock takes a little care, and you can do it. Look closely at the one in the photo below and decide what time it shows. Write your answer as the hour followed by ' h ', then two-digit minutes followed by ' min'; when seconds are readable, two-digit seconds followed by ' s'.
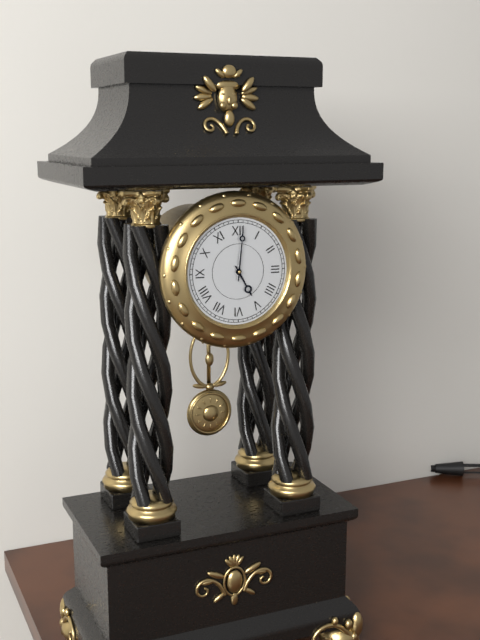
5 h 01 min
